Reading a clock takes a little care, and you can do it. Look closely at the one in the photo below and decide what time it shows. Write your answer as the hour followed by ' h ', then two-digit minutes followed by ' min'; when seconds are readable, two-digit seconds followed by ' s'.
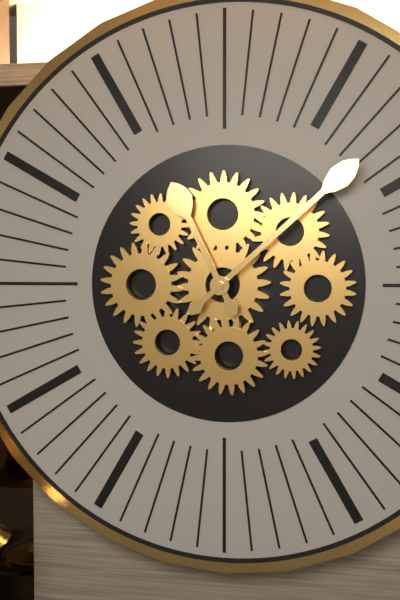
11 h 08 min
